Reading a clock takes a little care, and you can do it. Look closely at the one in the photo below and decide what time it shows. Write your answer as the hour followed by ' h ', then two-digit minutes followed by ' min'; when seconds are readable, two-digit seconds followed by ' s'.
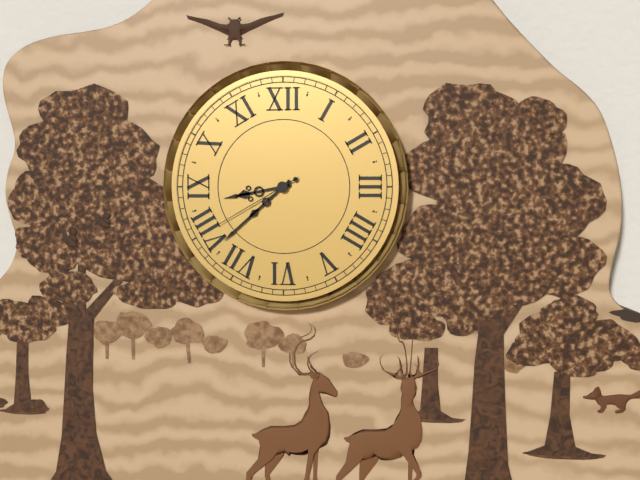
8 h 38 min 40 s
